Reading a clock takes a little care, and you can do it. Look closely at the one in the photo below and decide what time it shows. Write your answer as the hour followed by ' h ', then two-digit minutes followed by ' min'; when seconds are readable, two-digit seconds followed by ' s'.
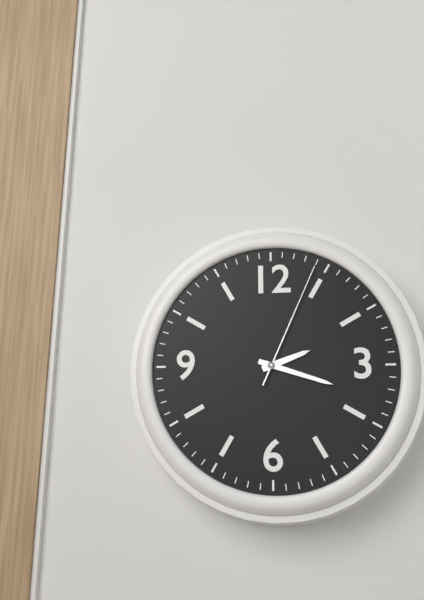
2 h 18 min 04 s
